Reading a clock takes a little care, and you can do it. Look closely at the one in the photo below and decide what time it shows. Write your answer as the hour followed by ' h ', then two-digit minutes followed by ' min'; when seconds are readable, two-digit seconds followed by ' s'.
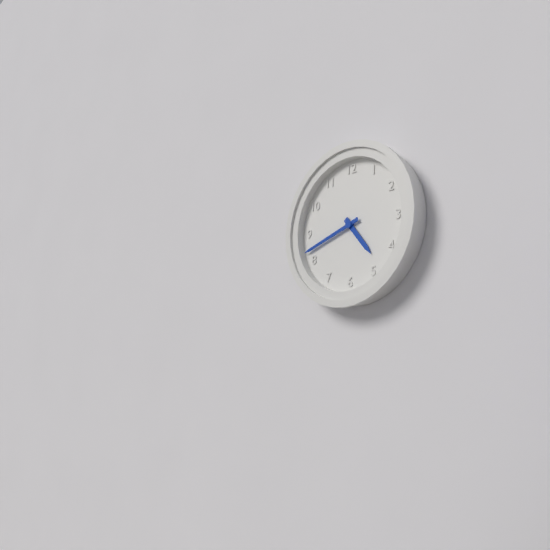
4 h 42 min
